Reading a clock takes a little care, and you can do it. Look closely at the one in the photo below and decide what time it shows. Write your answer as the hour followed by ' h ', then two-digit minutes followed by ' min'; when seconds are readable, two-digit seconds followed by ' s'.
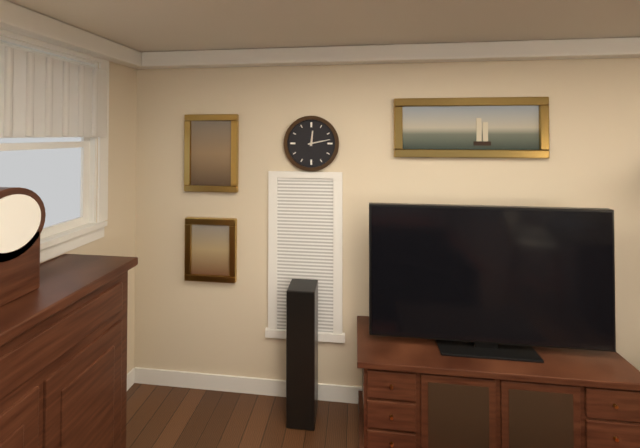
12 h 13 min
